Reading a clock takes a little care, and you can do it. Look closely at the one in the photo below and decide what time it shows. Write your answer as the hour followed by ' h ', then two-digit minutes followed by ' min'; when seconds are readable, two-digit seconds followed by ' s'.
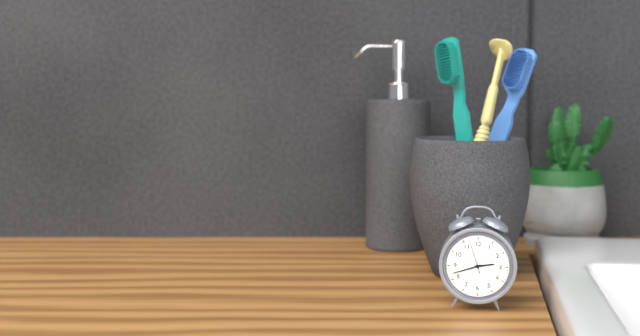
2 h 42 min
